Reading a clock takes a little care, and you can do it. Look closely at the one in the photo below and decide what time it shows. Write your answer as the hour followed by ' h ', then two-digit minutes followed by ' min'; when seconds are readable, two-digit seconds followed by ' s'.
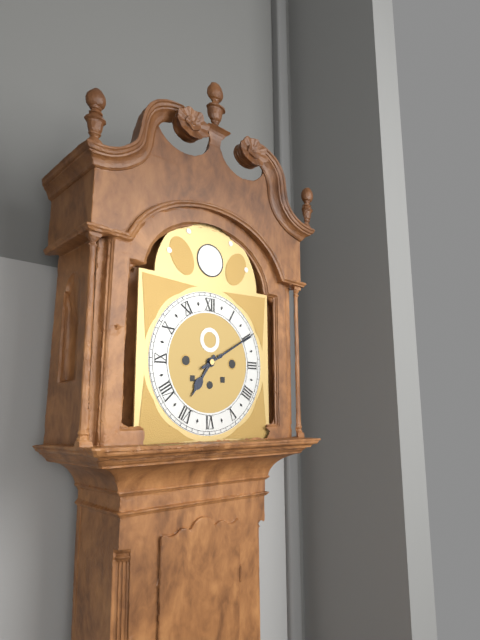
7 h 10 min
